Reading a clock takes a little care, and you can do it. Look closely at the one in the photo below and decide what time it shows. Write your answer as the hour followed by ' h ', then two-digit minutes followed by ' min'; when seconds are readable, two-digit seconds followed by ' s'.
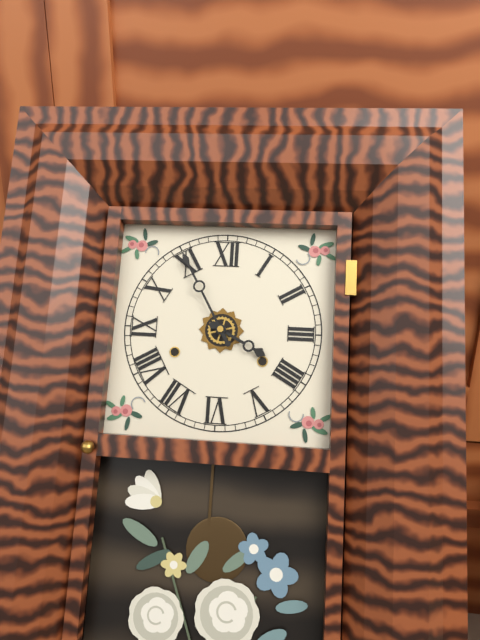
3 h 55 min
